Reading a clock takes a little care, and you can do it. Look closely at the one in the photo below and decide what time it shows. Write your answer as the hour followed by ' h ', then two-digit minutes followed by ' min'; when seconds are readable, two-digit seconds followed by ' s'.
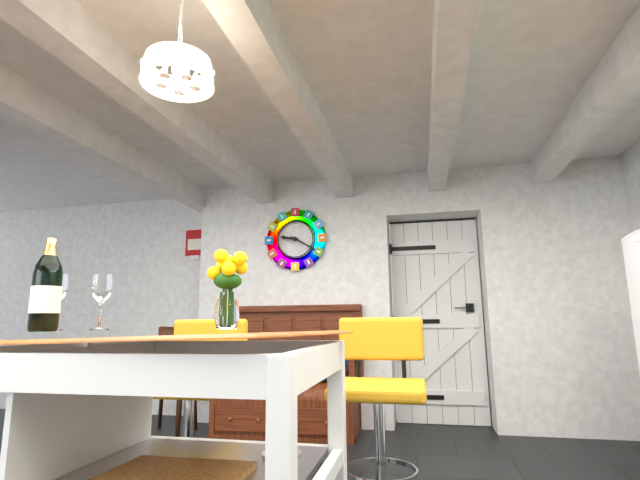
9 h 20 min
